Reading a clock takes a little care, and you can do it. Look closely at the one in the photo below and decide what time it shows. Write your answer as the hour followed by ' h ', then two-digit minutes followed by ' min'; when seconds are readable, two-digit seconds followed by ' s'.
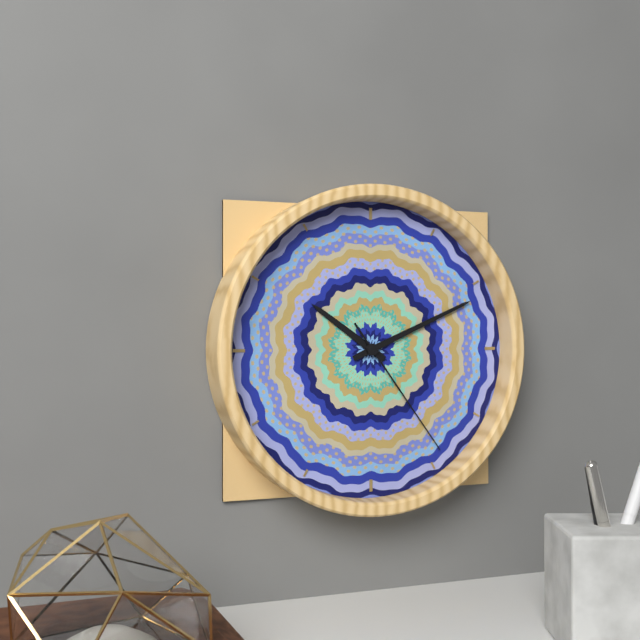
10 h 11 min 24 s
